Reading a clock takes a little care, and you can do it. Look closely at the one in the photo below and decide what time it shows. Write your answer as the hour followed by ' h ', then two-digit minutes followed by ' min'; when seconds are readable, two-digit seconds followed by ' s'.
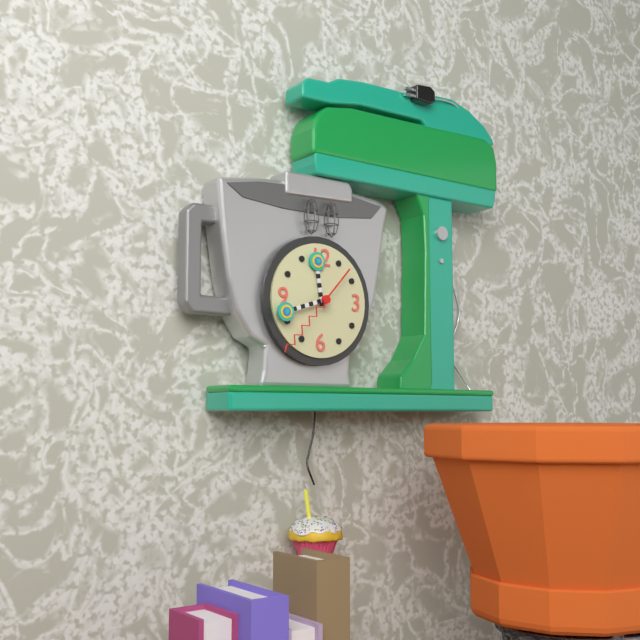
11 h 42 min 37 s
